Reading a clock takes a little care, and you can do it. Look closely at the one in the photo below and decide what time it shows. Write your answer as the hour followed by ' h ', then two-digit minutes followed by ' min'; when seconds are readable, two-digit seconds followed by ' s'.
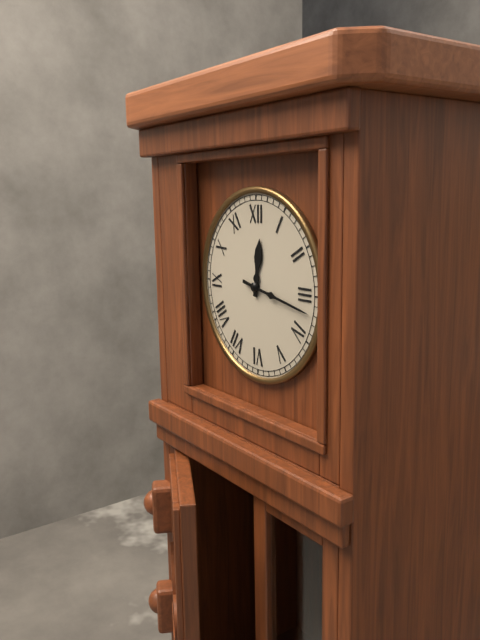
12 h 17 min
